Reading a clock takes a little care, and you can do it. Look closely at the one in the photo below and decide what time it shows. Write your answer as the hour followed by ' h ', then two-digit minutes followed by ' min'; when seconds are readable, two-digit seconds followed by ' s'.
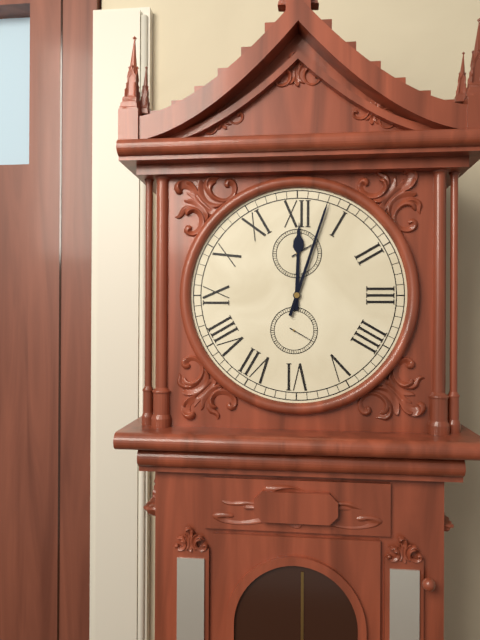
12 h 03 min
